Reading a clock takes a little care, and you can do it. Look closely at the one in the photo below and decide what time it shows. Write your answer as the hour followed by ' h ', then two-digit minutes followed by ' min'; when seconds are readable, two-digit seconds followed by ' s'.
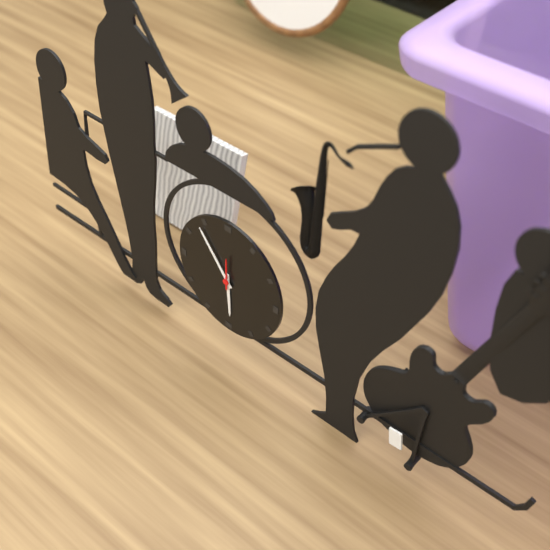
5 h 54 min
